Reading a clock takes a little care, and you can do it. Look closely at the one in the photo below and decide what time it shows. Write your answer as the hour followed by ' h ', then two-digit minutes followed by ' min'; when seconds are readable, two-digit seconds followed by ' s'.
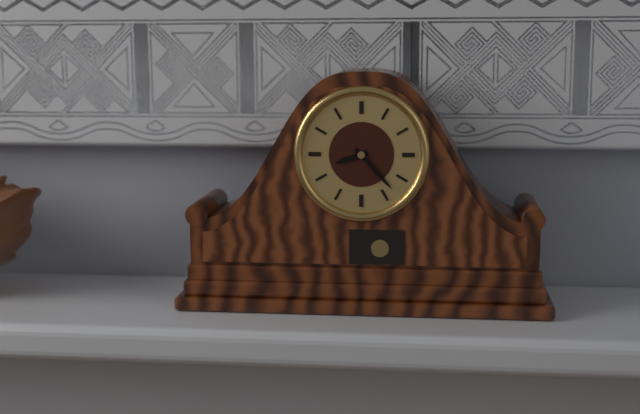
8 h 23 min
